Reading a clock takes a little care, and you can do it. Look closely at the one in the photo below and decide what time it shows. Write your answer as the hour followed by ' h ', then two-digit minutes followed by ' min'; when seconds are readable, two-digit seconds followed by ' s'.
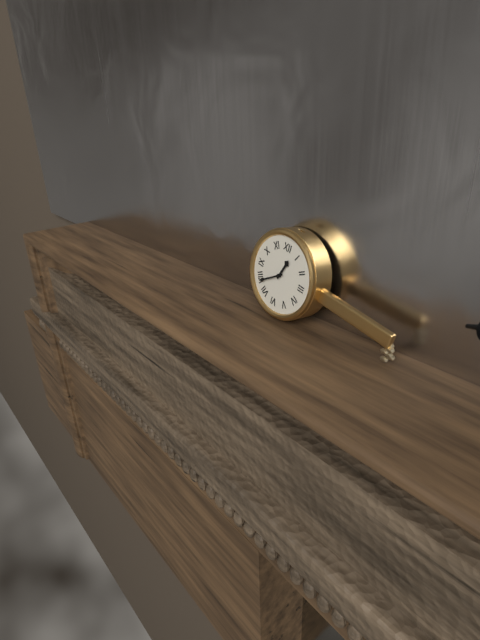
12 h 39 min
